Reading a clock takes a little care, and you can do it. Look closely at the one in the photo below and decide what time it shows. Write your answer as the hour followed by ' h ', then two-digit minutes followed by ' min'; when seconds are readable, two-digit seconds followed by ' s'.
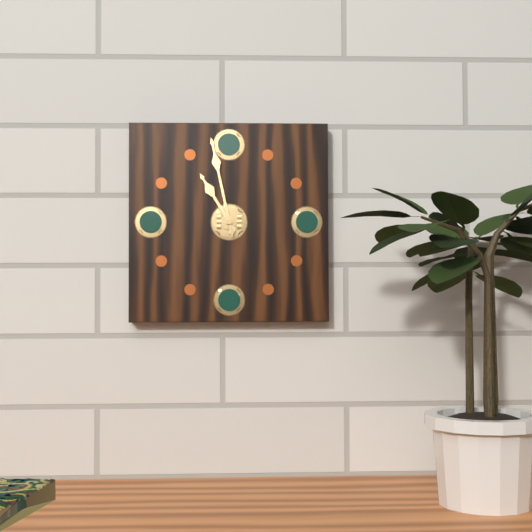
10 h 58 min
